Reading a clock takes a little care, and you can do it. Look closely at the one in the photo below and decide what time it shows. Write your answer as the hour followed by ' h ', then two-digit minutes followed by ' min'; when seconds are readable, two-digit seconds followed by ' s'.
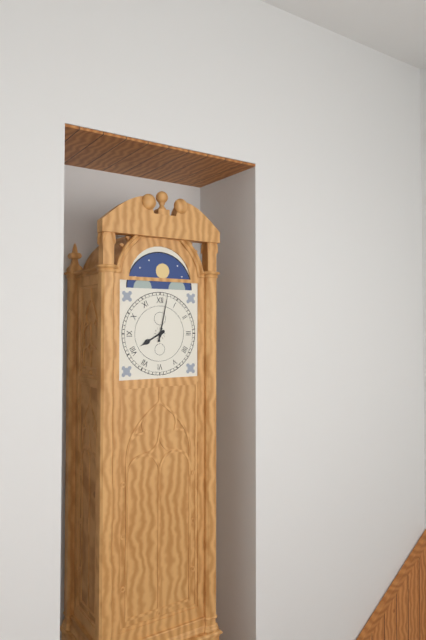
8 h 02 min
